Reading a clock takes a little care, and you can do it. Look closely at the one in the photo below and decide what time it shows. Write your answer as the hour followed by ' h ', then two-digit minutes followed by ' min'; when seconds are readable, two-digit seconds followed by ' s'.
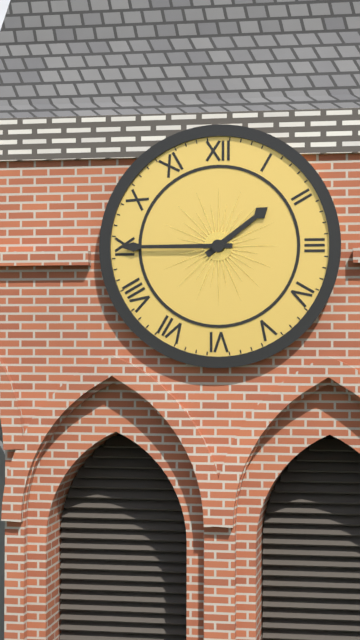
1 h 45 min
